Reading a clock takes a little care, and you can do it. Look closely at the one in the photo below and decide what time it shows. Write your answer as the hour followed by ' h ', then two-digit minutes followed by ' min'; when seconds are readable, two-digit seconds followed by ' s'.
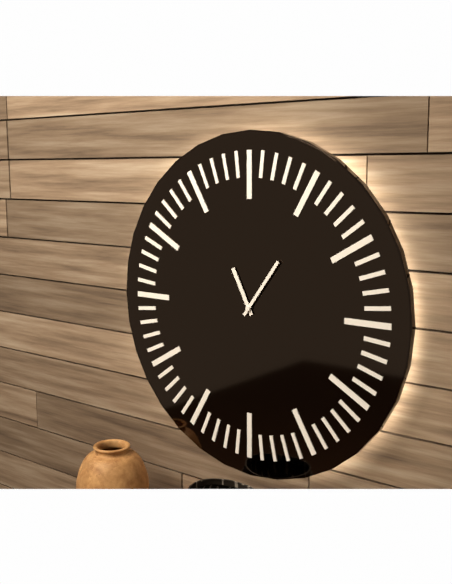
11 h 06 min
